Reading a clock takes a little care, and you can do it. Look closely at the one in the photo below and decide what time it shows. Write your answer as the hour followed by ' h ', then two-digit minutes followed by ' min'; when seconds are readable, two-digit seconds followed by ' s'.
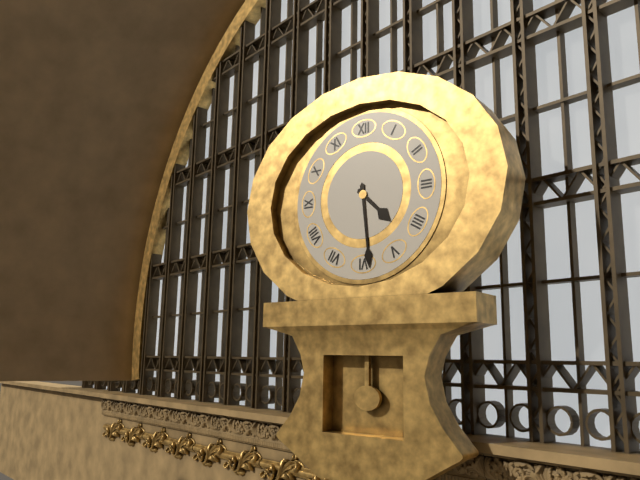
4 h 29 min
